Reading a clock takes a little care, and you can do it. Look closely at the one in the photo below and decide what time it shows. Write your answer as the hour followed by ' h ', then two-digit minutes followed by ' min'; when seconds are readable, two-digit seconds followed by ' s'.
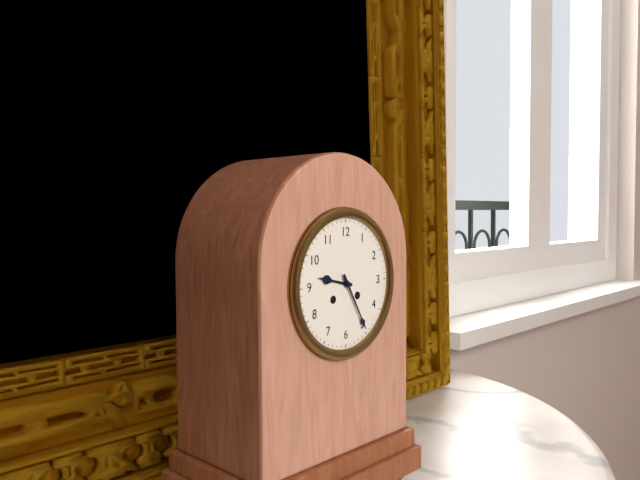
9 h 25 min
